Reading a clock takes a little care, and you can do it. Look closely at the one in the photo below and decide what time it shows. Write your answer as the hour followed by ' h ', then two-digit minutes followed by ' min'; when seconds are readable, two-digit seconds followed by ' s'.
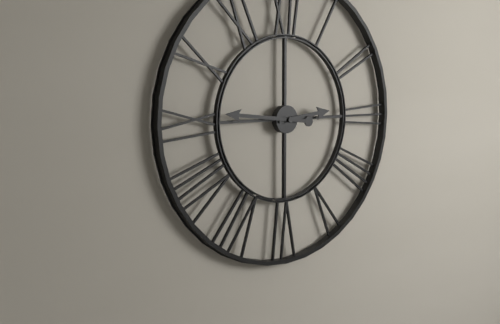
2 h 46 min
